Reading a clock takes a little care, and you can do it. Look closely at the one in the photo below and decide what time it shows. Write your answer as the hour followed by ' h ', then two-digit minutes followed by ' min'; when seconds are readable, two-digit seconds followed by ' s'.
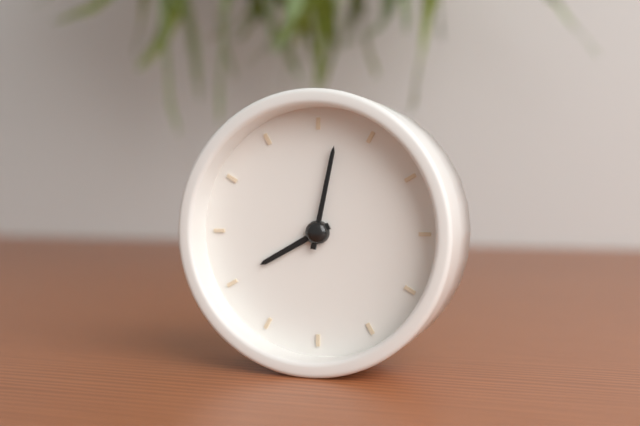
8 h 02 min
